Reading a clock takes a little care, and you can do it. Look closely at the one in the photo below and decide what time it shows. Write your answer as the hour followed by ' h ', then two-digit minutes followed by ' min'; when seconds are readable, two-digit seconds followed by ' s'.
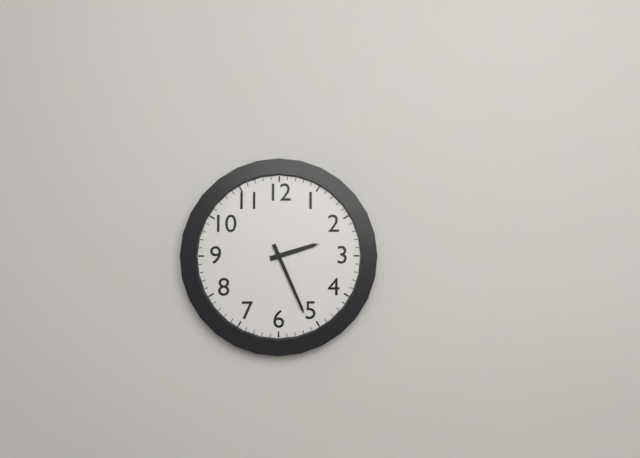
2 h 26 min
